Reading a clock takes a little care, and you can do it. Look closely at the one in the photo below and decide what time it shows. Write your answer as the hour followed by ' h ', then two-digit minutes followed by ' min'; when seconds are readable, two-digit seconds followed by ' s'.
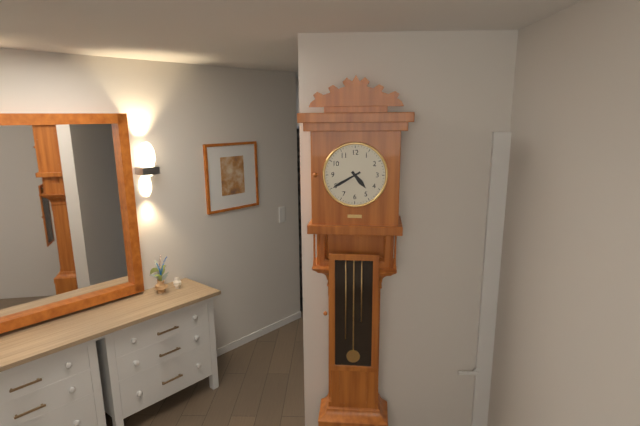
4 h 40 min
